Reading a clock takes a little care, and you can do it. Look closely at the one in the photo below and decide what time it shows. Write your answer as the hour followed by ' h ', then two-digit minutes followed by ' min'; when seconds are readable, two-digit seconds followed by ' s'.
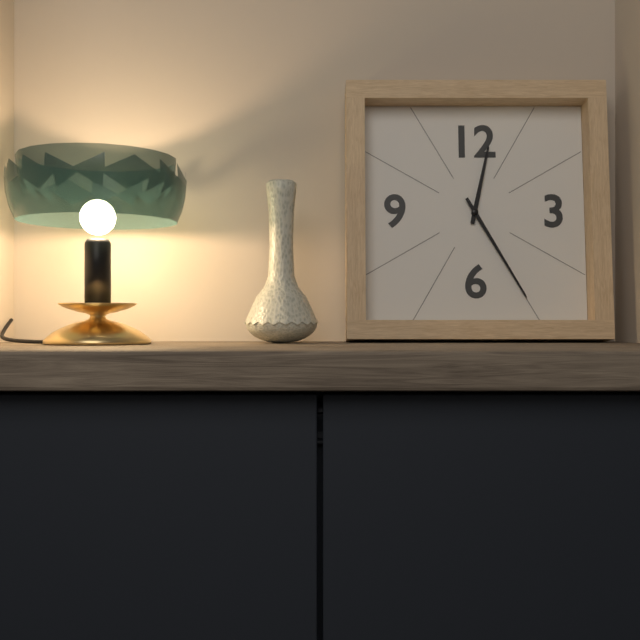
12 h 25 min
